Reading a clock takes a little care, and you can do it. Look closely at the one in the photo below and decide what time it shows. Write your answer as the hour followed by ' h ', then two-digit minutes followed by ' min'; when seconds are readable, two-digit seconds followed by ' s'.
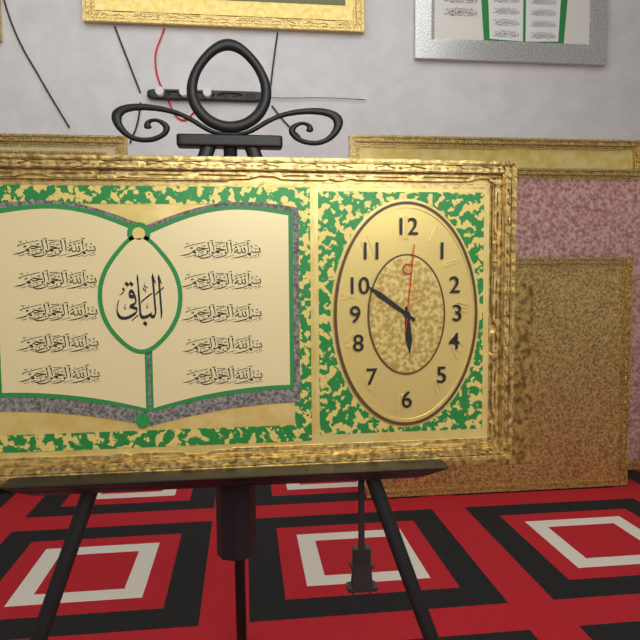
5 h 51 min 01 s
